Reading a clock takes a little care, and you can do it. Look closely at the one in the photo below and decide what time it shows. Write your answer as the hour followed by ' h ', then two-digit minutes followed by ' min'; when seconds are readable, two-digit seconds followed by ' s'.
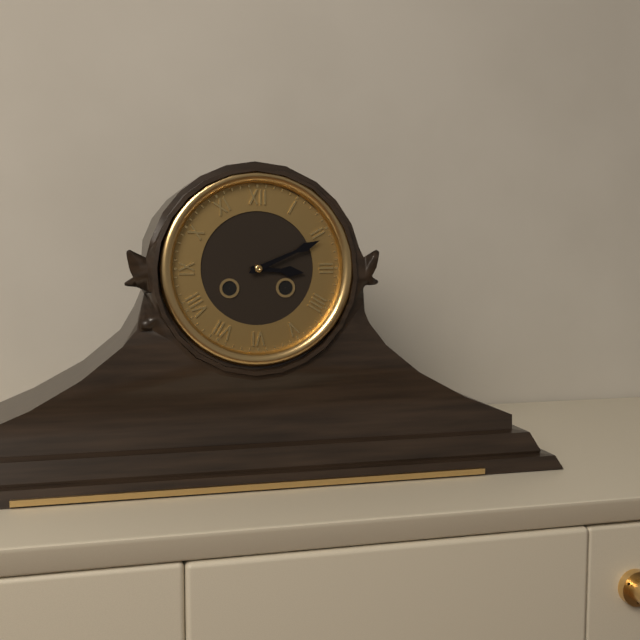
3 h 11 min
